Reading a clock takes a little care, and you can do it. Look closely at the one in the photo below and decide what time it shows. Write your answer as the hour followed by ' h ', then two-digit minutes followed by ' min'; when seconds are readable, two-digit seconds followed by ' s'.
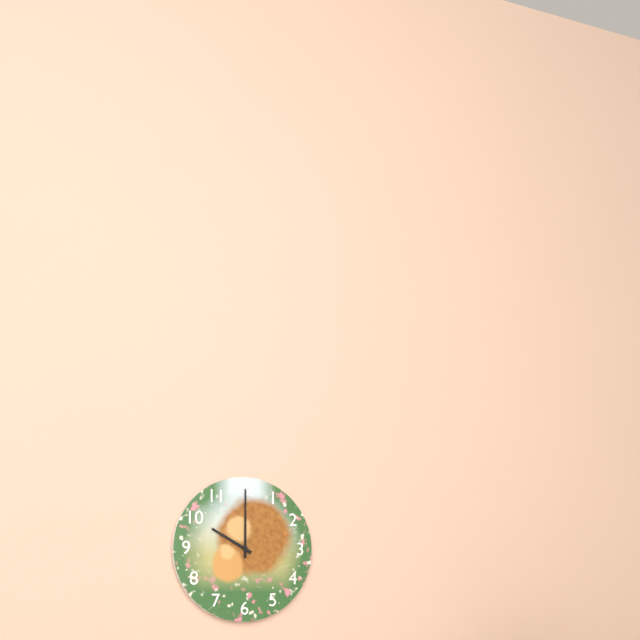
10 h 00 min
